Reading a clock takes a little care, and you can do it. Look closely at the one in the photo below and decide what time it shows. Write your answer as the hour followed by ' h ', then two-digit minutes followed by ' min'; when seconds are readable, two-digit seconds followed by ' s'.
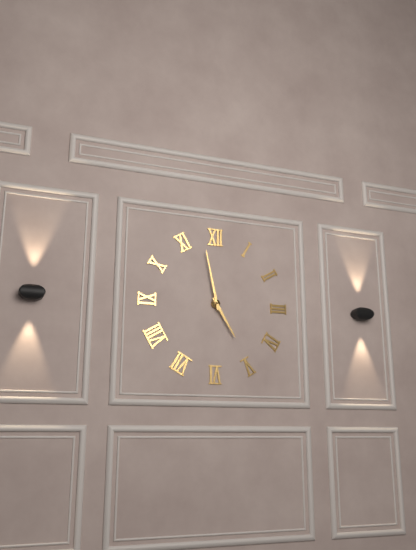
4 h 58 min
